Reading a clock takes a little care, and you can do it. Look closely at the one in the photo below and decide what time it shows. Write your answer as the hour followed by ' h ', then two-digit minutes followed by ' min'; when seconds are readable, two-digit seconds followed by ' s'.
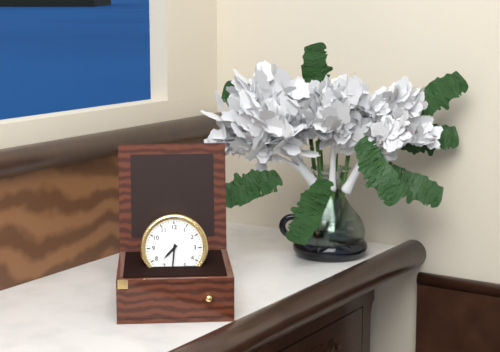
7 h 31 min
